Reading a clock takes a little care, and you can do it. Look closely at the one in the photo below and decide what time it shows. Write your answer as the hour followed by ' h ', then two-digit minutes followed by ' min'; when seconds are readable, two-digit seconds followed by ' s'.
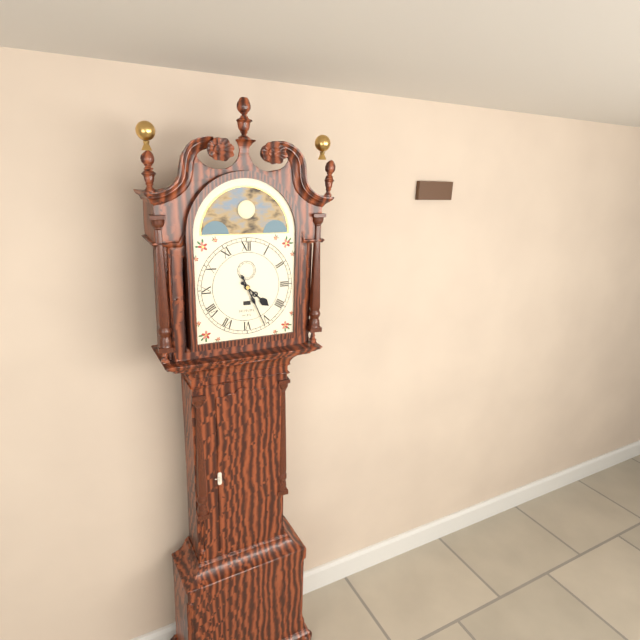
4 h 26 min
